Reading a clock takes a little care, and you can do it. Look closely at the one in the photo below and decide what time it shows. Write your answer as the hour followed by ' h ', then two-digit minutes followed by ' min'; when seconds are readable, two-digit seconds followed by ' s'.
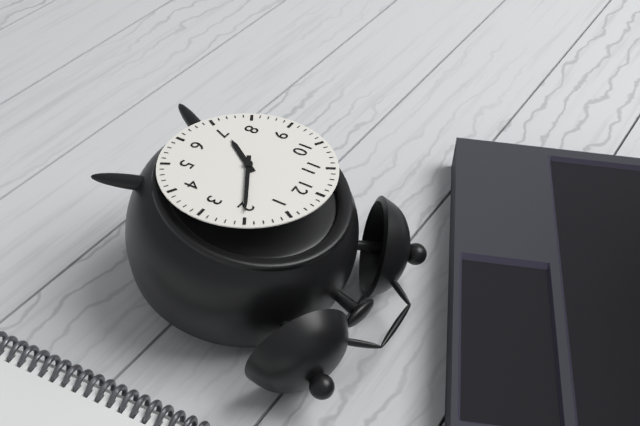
7 h 10 min
